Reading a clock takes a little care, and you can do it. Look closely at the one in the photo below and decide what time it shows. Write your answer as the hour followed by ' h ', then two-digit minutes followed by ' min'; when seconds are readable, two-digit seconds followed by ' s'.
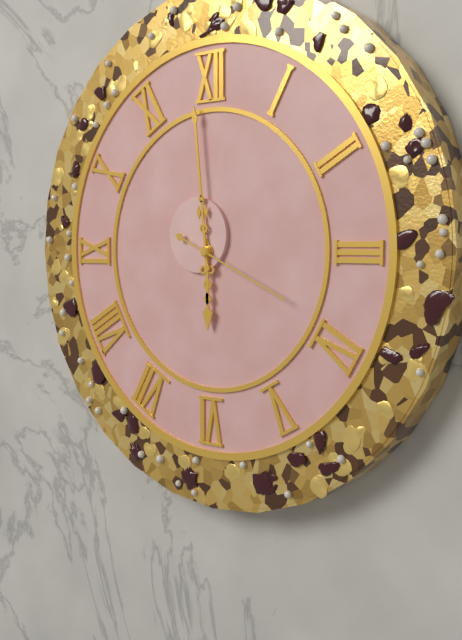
5 h 59 min 19 s
